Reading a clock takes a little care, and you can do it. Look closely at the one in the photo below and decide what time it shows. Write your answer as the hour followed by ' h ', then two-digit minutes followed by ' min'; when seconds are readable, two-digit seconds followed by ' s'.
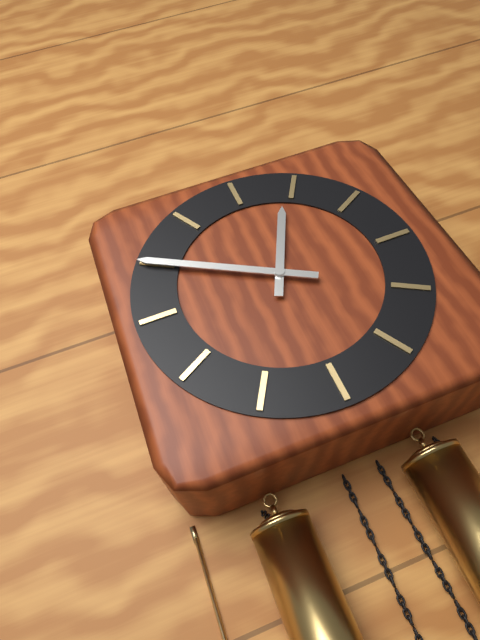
12 h 50 min
